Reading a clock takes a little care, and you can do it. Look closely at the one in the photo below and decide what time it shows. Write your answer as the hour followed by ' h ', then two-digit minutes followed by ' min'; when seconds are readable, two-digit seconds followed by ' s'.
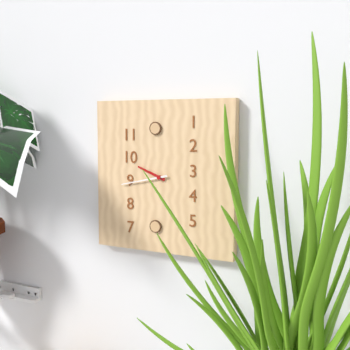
9 h 43 min
